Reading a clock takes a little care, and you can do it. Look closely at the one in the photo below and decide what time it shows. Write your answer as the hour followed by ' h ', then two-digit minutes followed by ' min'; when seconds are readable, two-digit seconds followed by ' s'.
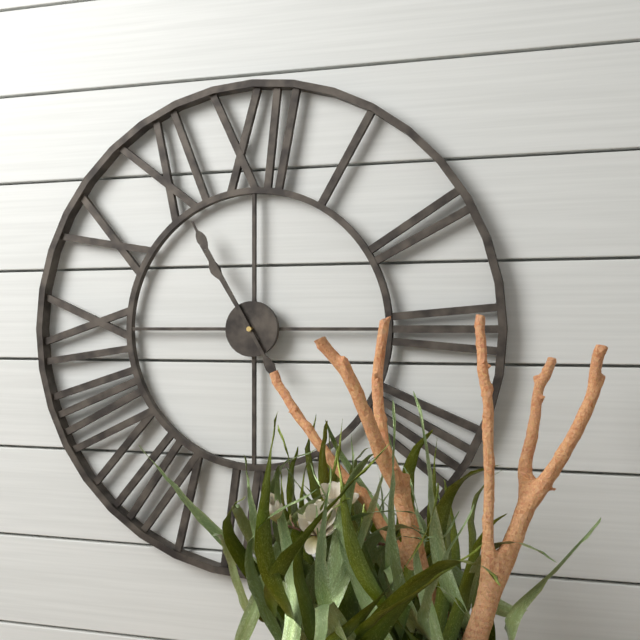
10 h 55 min
